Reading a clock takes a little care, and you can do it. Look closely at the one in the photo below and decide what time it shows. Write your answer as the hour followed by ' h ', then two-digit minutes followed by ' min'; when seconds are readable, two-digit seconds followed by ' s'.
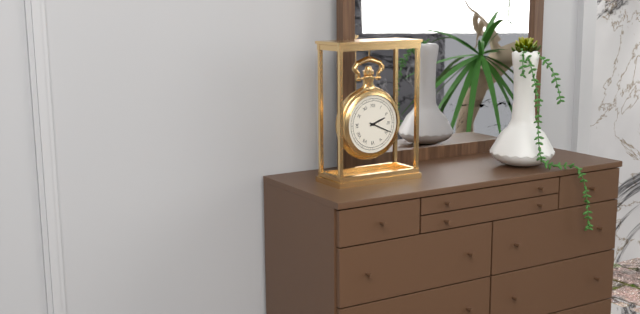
2 h 19 min
